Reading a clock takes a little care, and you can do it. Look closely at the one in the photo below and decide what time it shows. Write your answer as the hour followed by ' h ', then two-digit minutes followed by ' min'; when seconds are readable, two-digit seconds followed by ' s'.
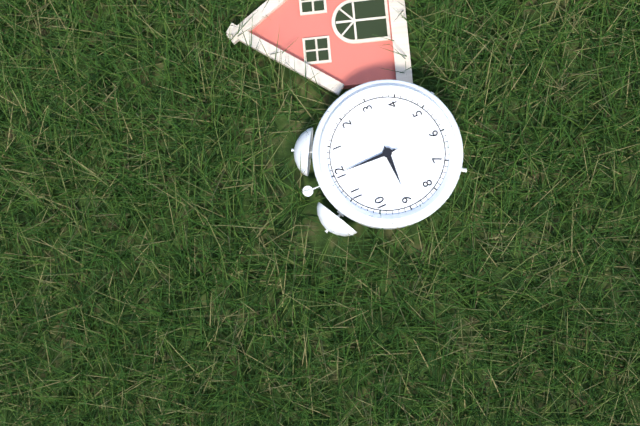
9 h 00 min
